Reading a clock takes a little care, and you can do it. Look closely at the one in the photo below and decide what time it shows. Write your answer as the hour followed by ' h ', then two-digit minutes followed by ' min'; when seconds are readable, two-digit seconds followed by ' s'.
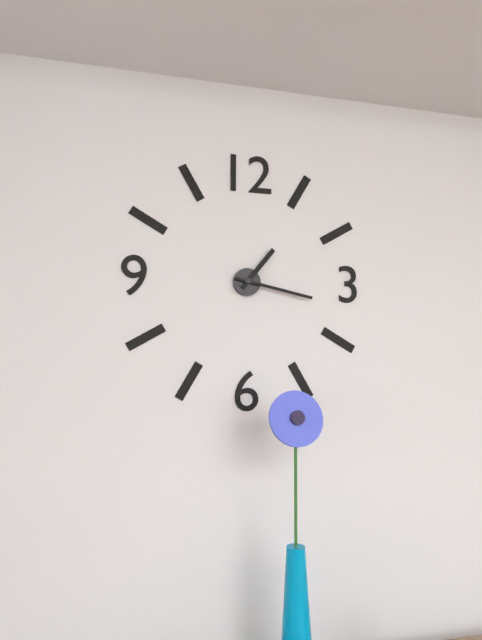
1 h 17 min
